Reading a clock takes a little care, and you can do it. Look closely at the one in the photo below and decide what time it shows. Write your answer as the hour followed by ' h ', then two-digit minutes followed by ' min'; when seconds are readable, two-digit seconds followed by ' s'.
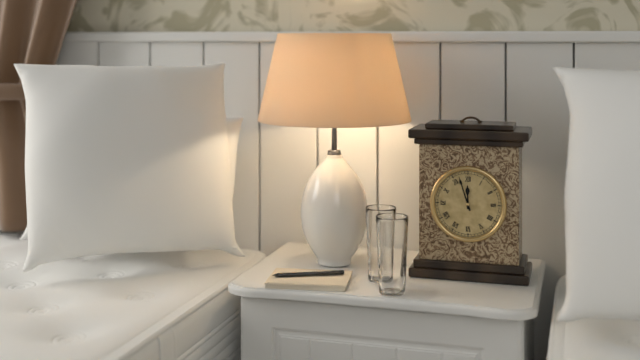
11 h 57 min
